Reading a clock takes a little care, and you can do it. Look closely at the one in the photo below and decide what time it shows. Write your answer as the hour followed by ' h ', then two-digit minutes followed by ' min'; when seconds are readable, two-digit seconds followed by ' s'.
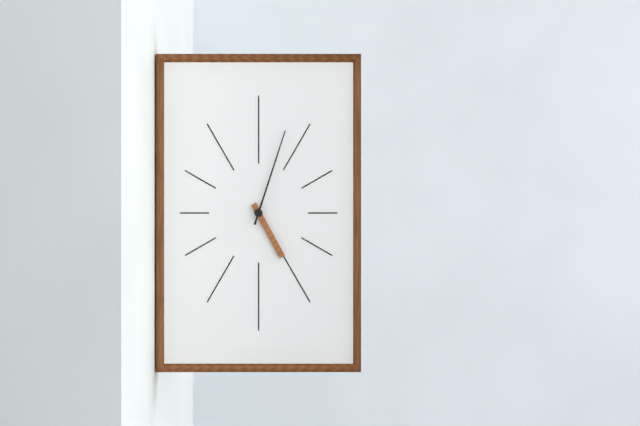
5 h 03 min
